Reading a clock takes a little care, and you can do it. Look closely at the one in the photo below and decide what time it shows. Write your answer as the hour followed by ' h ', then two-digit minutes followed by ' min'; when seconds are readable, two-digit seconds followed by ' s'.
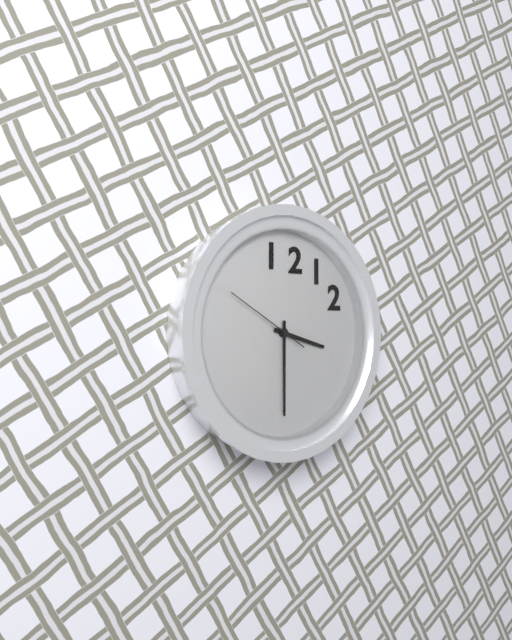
3 h 30 min 50 s
